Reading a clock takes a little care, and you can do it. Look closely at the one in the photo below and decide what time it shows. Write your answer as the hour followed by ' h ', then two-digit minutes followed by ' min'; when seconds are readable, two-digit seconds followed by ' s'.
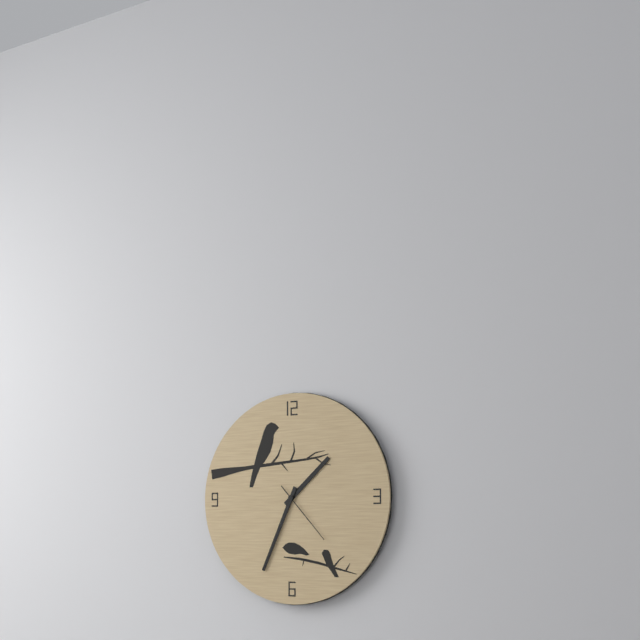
1 h 34 min 23 s
